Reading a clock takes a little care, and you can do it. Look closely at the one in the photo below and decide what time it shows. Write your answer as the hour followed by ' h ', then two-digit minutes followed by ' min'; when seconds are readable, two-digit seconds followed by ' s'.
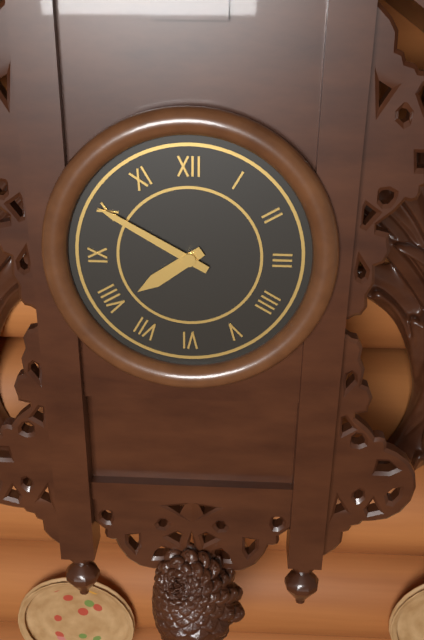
7 h 50 min
